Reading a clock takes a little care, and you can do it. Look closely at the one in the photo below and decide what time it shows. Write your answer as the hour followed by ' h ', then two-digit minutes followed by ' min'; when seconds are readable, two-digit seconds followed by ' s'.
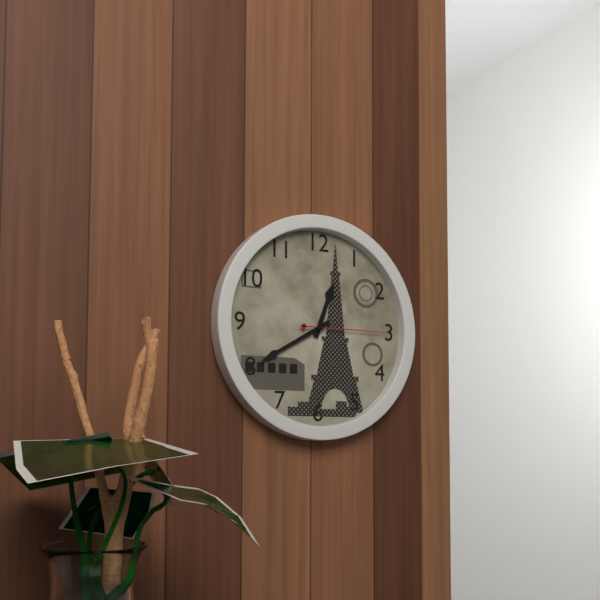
12 h 40 min 15 s
